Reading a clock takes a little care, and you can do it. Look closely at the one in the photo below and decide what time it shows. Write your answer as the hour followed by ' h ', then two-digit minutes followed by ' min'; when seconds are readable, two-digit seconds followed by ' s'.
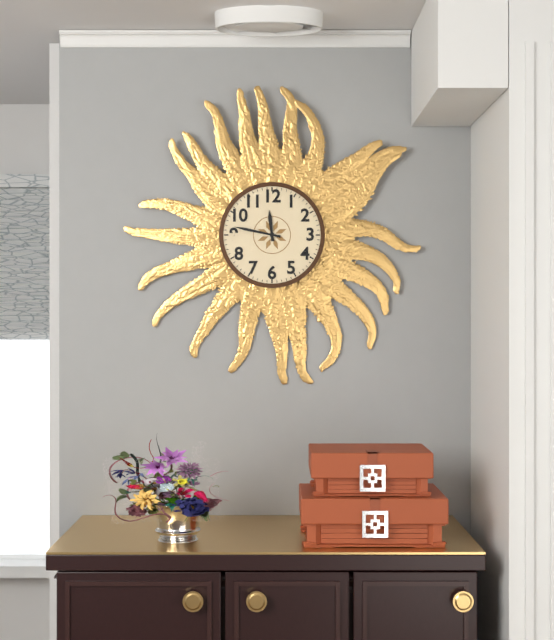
11 h 47 min
